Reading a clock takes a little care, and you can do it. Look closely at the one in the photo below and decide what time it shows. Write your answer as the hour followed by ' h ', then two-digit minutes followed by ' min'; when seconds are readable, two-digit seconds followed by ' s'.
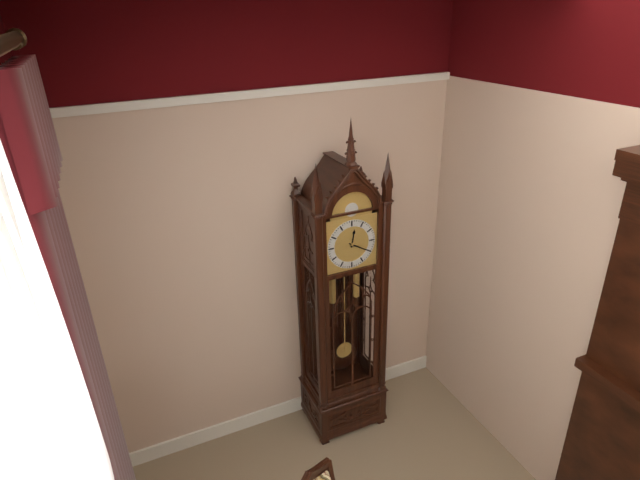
12 h 20 min
